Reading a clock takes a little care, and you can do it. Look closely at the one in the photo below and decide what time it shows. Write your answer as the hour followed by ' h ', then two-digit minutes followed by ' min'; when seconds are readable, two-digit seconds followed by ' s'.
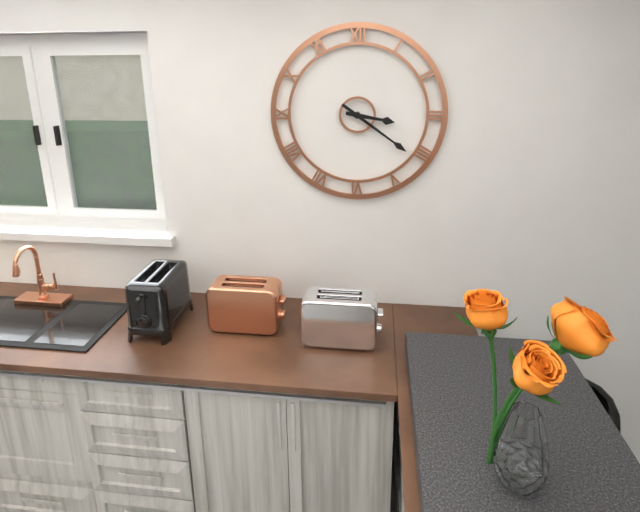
3 h 21 min
